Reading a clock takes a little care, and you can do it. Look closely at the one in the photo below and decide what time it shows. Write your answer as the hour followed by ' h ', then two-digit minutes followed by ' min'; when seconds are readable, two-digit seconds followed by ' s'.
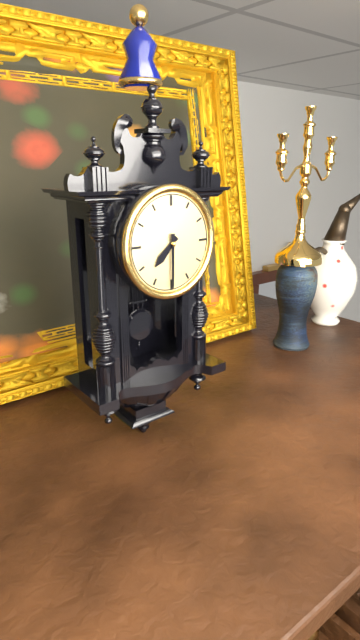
7 h 30 min
